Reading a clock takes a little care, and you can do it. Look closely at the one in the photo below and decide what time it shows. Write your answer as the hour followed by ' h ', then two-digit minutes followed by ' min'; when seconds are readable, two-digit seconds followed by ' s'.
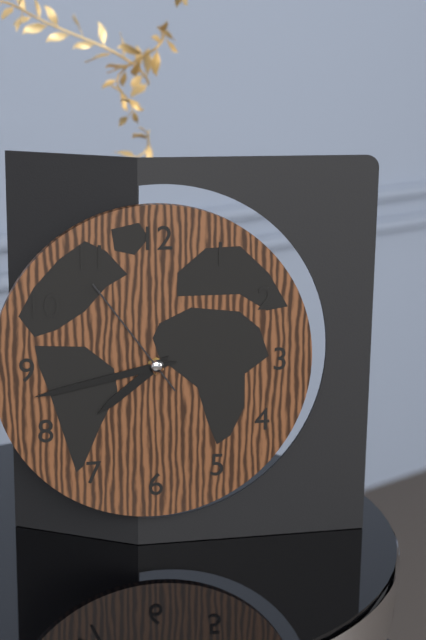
7 h 43 min 54 s
